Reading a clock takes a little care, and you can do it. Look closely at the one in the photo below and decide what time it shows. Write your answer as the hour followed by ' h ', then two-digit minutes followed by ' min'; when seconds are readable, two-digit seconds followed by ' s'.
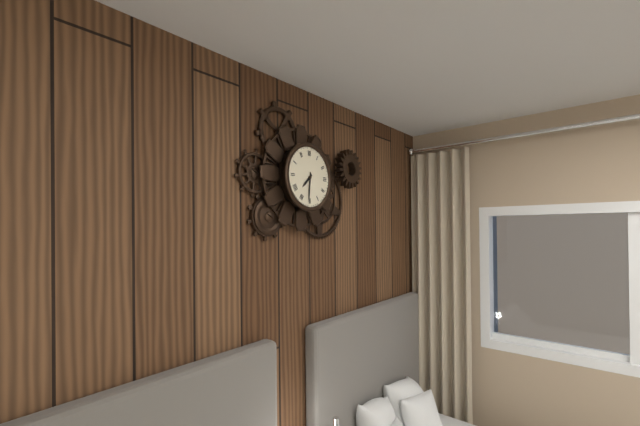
7 h 31 min
